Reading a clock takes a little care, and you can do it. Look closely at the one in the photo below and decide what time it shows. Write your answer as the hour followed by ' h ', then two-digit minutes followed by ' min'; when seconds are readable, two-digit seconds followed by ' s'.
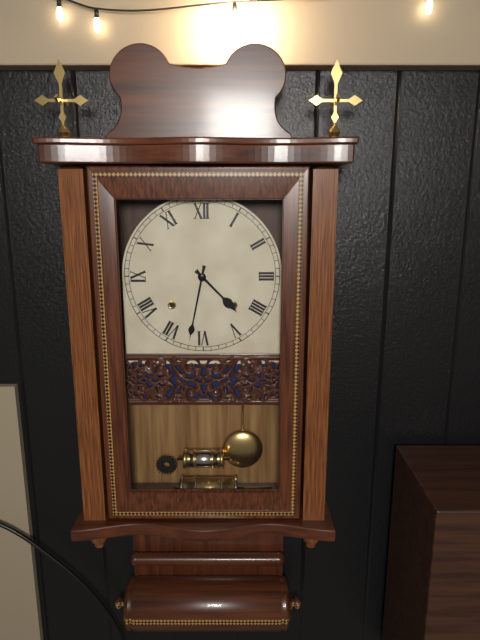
4 h 32 min
